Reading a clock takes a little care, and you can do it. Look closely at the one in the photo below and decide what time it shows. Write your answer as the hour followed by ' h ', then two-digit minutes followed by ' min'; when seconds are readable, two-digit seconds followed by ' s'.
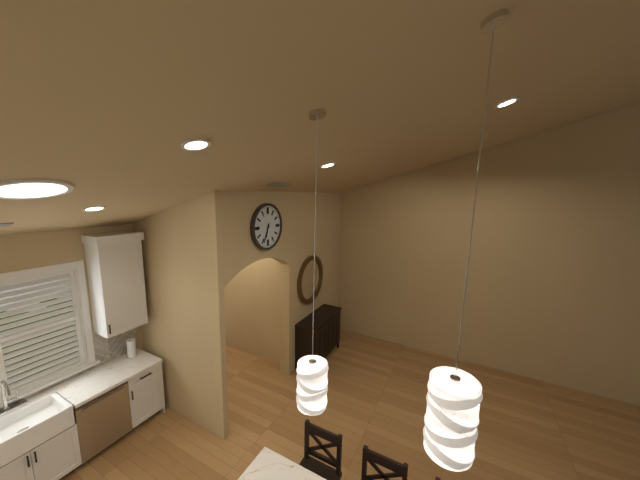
6 h 34 min
